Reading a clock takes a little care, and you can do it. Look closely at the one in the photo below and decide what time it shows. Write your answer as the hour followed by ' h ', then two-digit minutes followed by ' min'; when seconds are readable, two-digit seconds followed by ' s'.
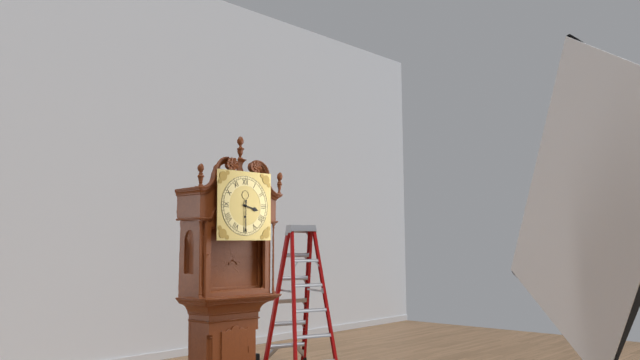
3 h 30 min
